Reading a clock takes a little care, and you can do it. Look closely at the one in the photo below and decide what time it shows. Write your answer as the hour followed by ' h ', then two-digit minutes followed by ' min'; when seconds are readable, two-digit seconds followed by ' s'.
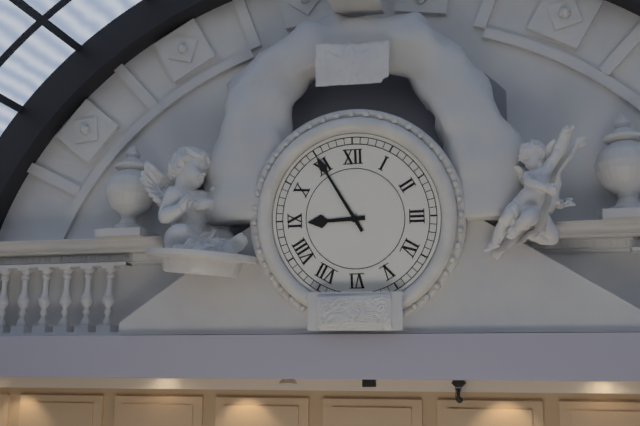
8 h 55 min
